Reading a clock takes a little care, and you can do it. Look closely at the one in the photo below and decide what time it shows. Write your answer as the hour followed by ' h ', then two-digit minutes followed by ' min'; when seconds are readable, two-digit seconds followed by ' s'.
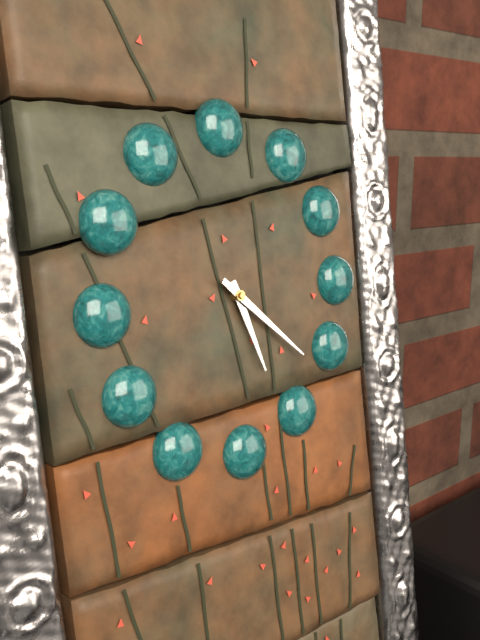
5 h 22 min
